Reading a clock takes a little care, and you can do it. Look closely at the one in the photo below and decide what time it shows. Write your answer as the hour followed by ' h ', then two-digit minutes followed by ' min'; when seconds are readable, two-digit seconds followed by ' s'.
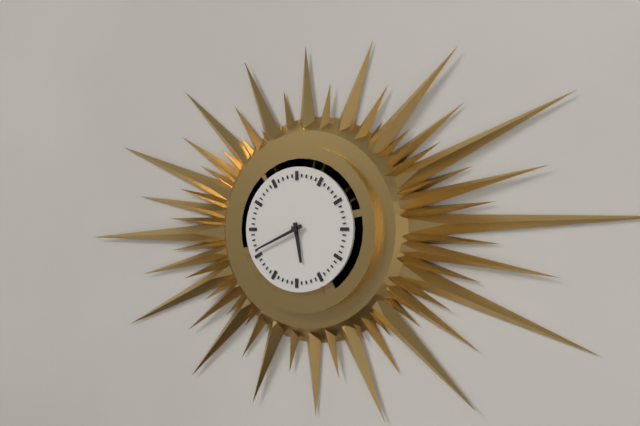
5 h 41 min
